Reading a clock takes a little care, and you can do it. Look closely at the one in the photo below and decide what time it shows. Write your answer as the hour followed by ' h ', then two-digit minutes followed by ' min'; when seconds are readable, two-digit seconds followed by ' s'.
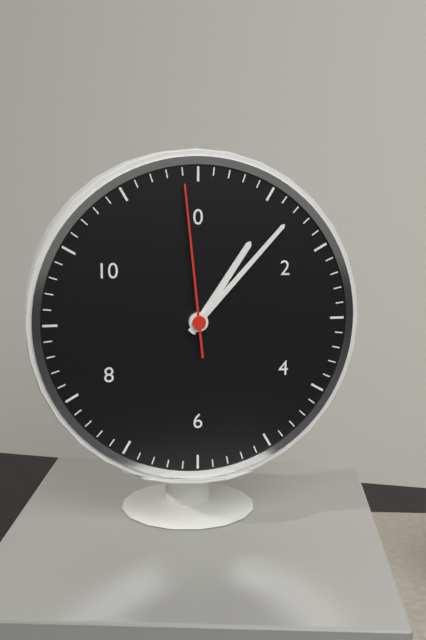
1 h 07 min 59 s
